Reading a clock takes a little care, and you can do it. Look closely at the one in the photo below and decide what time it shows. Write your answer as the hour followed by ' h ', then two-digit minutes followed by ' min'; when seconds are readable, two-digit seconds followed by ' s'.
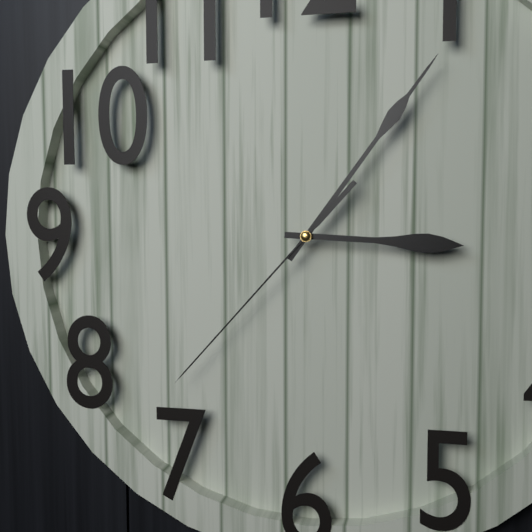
3 h 06 min 37 s
